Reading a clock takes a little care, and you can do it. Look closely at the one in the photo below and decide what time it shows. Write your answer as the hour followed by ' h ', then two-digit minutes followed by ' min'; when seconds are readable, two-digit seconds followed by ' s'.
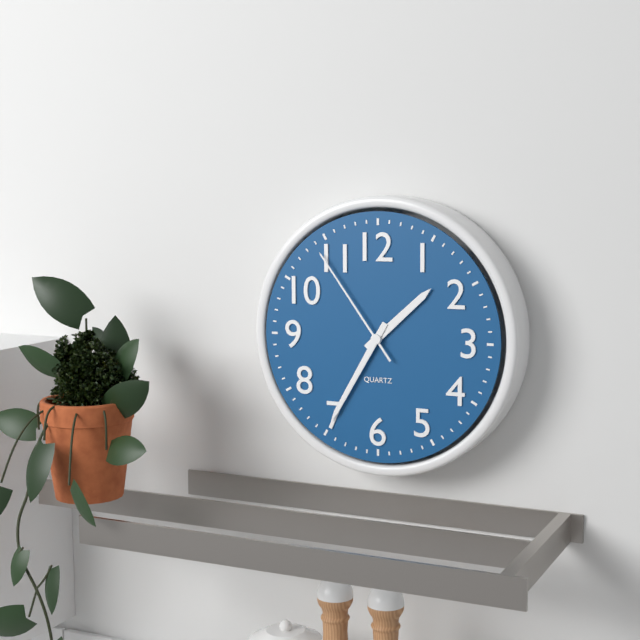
1 h 35 min 54 s
